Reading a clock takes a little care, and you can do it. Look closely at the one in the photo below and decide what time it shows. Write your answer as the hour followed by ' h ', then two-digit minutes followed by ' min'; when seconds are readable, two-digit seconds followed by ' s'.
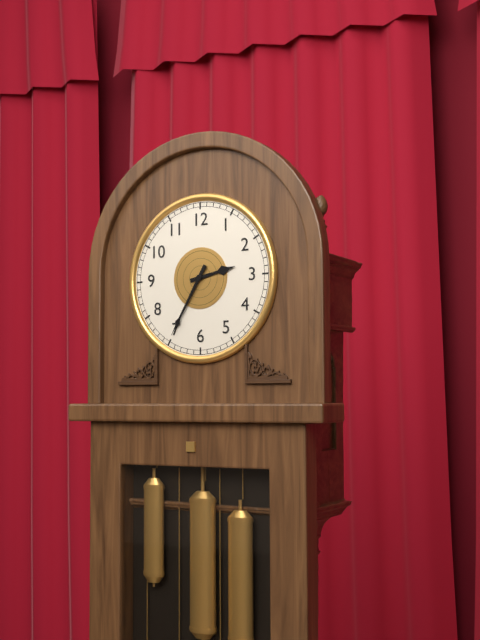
2 h 35 min
